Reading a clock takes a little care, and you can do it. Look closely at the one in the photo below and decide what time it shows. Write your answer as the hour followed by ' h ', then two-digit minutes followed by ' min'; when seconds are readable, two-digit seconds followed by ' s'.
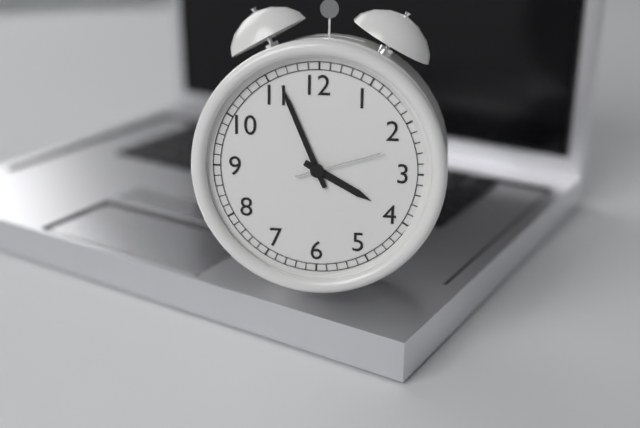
3 h 56 min 12 s
